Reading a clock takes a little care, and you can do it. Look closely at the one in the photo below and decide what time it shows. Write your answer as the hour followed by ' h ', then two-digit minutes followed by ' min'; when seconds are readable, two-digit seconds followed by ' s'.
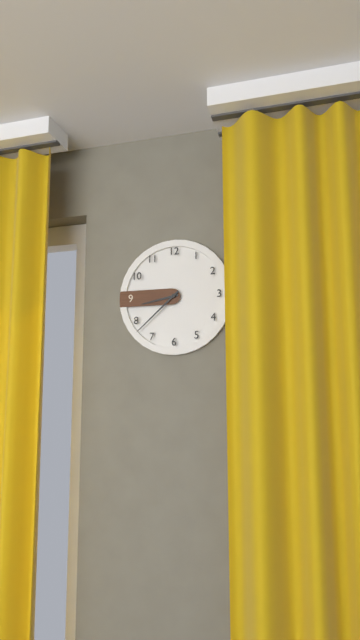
8 h 38 min
